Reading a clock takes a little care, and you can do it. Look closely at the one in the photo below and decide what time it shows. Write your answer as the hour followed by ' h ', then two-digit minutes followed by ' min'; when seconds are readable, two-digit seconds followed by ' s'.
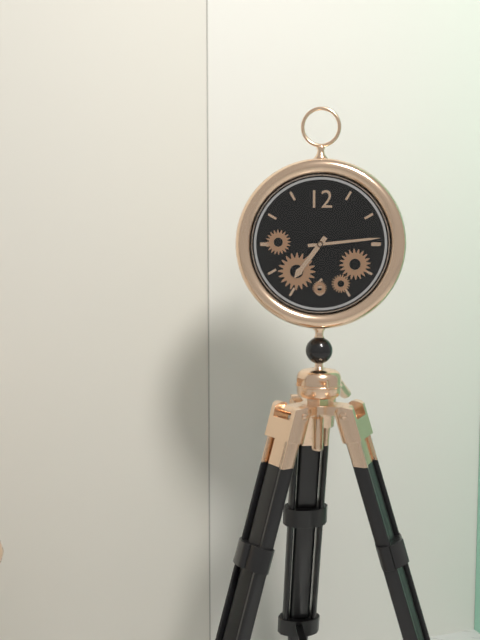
7 h 14 min
